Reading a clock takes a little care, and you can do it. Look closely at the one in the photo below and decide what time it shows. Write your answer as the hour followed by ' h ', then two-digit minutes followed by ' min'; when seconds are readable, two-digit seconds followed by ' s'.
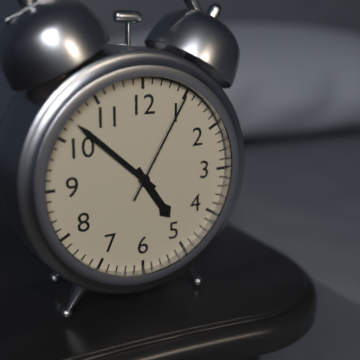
4 h 52 min 05 s
